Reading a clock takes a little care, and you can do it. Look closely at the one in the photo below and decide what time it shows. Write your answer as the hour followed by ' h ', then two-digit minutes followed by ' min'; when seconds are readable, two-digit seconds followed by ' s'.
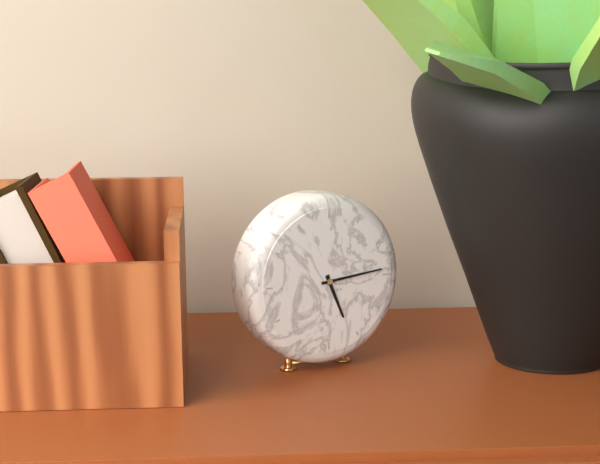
5 h 14 min
